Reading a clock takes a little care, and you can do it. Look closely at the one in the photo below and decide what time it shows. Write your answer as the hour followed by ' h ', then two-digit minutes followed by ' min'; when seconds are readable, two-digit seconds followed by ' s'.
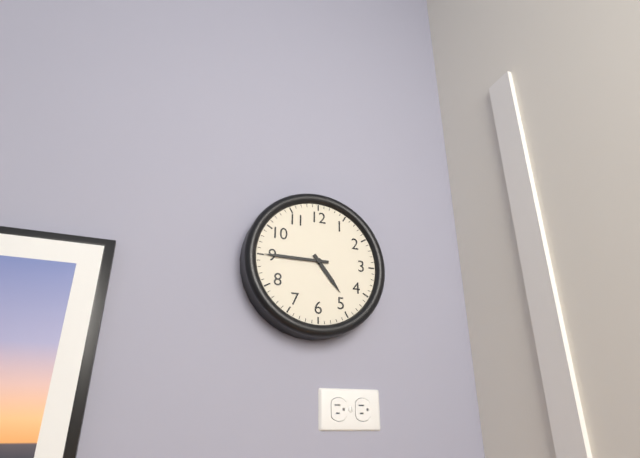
4 h 45 min
